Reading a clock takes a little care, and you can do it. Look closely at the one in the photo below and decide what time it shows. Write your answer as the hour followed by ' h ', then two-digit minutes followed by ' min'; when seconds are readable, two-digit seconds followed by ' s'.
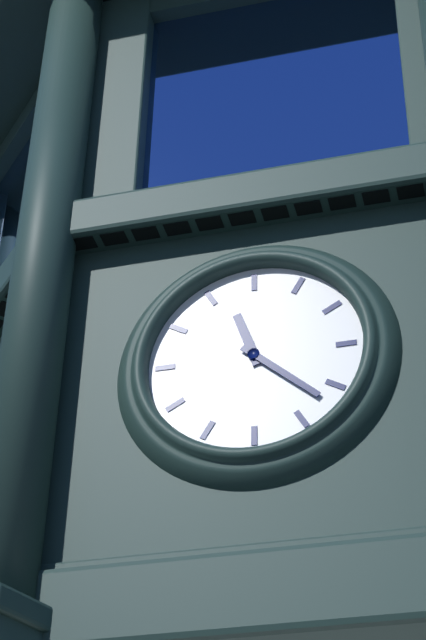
11 h 22 min
